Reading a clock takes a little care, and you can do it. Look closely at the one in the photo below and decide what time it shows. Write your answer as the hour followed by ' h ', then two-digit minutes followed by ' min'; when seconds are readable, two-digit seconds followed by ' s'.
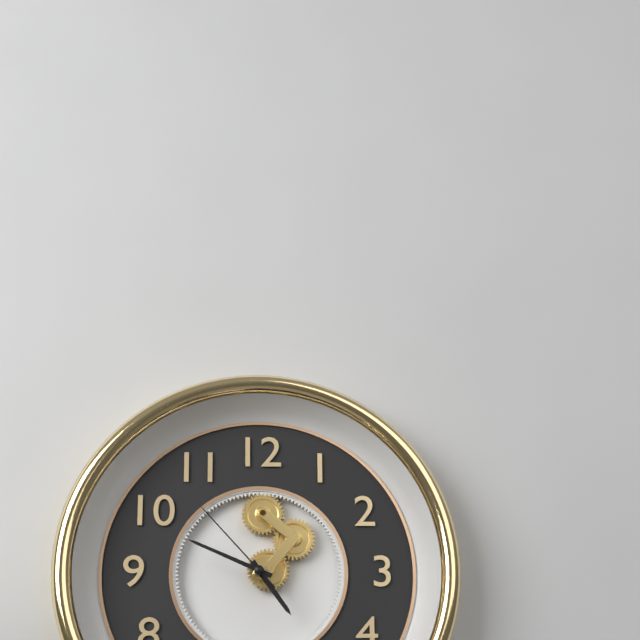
4 h 49 min 53 s
